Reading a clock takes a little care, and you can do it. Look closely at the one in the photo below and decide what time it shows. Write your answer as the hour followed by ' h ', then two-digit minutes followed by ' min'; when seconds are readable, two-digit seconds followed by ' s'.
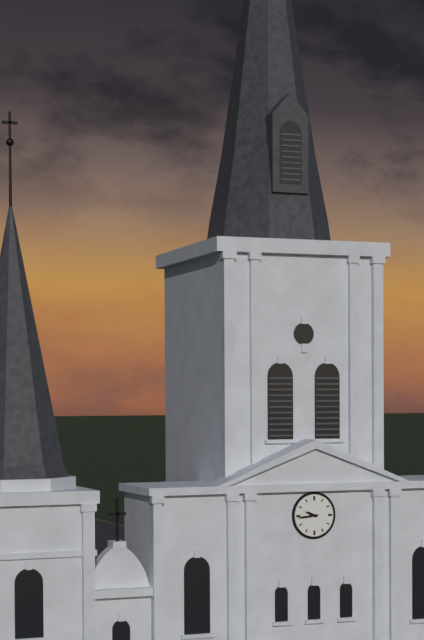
9 h 44 min
